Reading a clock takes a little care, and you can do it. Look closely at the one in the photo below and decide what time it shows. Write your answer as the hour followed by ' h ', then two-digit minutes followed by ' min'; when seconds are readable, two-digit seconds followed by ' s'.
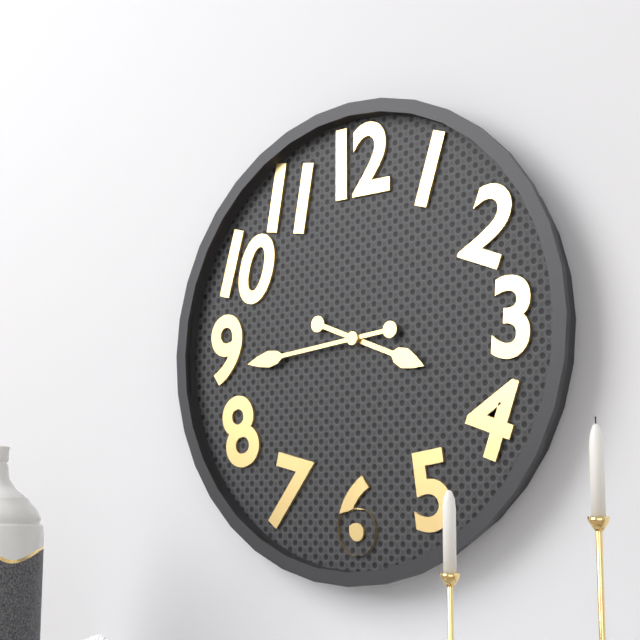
3 h 44 min
